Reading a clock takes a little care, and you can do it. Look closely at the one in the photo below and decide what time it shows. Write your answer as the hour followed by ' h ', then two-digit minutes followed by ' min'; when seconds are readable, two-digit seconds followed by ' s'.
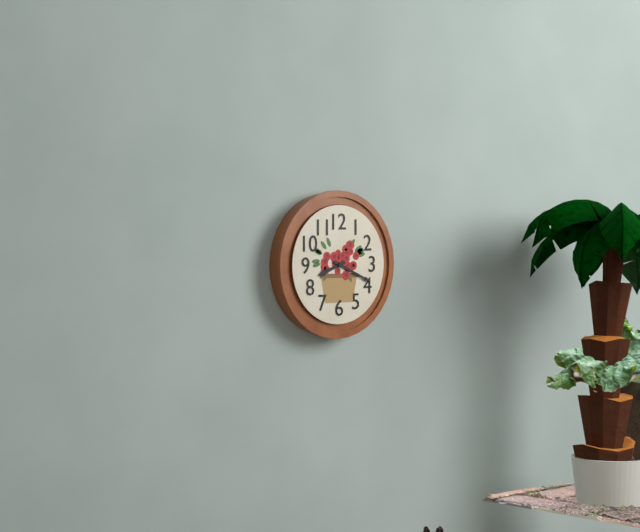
8 h 19 min
